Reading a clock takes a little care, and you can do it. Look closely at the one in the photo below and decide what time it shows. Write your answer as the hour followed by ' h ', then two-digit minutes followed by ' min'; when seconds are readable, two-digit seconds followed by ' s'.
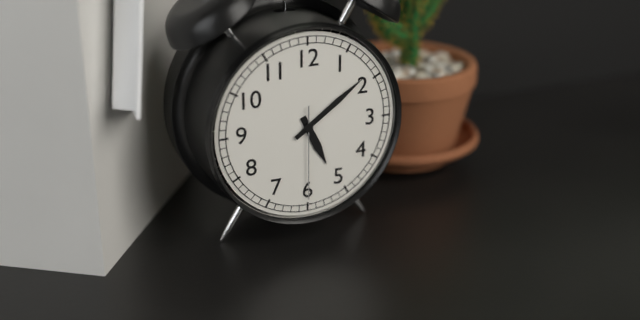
5 h 09 min 30 s
